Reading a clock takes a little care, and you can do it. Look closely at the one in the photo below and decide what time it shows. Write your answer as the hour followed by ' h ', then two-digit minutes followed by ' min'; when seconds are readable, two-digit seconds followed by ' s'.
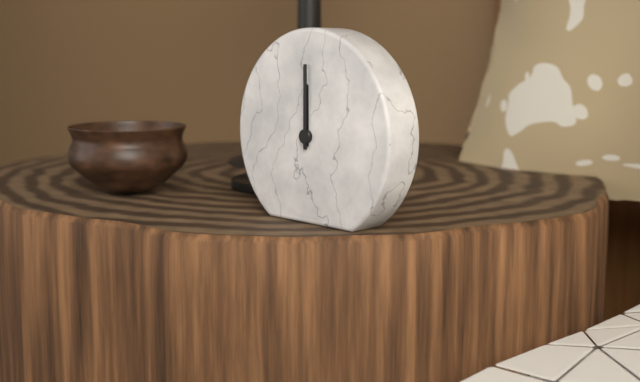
12 h 00 min
